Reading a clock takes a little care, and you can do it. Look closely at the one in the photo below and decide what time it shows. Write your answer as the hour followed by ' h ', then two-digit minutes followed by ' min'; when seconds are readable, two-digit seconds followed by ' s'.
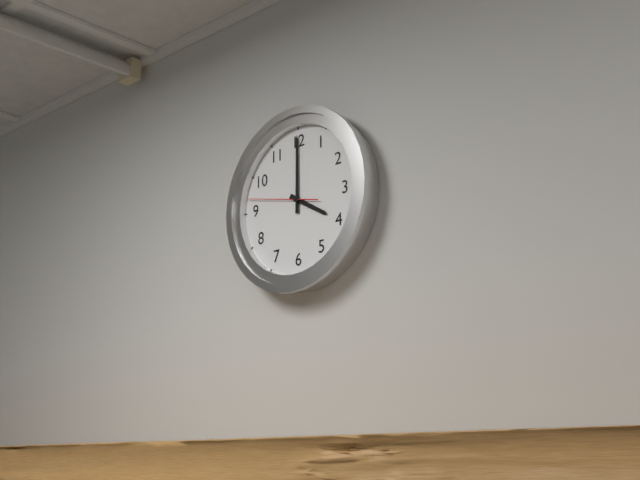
4 h 00 min 47 s
